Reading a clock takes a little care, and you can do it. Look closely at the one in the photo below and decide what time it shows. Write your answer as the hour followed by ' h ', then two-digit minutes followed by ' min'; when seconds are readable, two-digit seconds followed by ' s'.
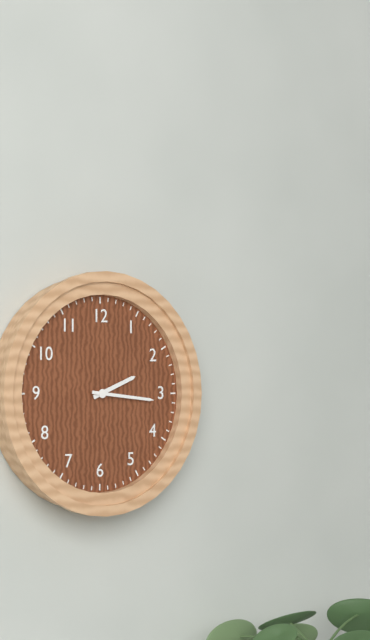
2 h 16 min
